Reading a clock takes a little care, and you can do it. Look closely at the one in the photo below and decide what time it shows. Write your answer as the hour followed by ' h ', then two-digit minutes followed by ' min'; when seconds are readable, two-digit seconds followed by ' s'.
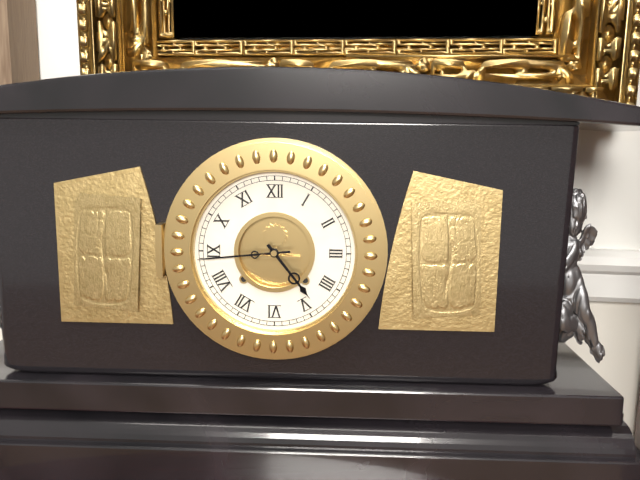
4 h 44 min
